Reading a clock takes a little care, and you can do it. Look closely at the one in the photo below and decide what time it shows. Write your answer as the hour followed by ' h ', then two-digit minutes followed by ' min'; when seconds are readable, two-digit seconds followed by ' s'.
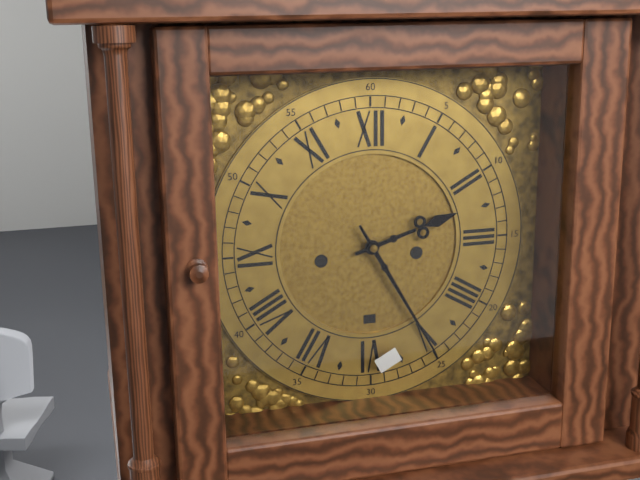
2 h 25 min
